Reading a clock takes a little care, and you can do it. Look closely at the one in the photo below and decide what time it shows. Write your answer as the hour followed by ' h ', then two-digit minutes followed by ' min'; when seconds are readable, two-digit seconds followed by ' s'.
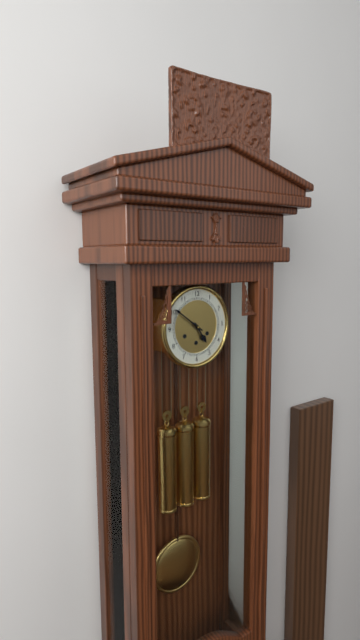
4 h 51 min
